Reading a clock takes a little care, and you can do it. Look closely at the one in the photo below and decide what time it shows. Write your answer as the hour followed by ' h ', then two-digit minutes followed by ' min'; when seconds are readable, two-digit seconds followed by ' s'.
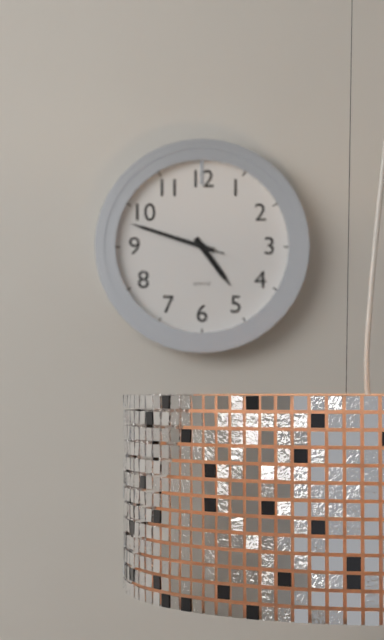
4 h 48 min 48 s
